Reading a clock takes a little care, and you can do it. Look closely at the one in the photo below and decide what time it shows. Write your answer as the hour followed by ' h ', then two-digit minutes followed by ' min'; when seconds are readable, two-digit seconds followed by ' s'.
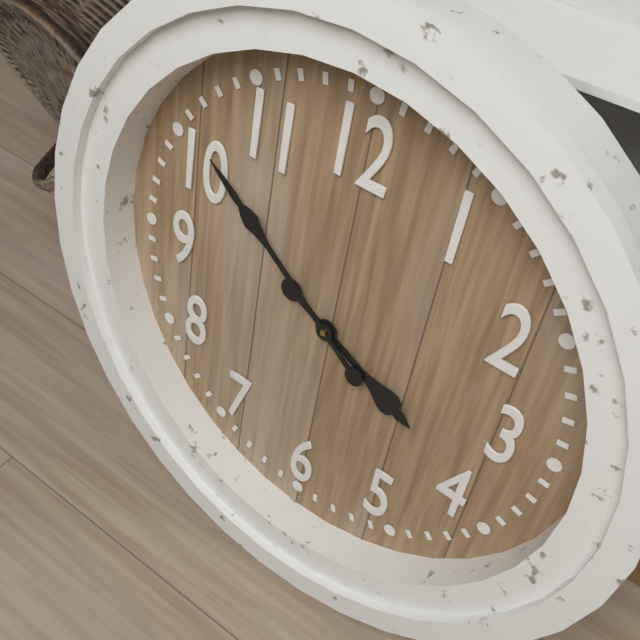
3 h 51 min
